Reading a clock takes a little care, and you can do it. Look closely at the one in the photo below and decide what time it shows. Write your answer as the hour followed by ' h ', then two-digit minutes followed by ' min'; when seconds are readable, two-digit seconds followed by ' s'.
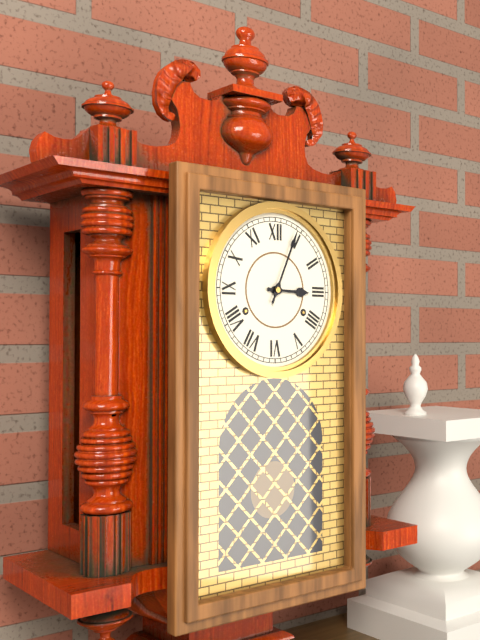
3 h 04 min
